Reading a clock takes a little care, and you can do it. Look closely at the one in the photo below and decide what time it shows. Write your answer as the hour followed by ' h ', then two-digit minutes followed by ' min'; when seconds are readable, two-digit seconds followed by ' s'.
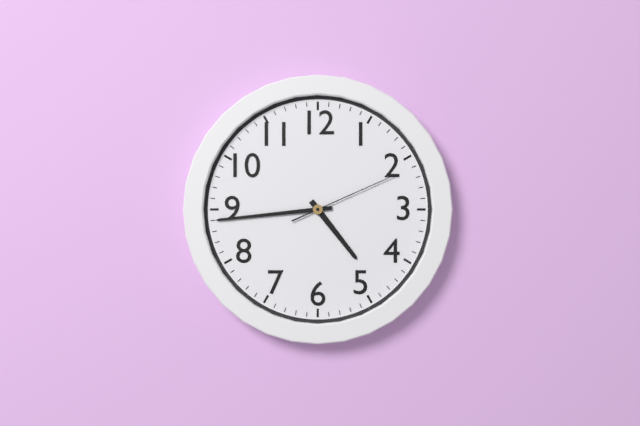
4 h 44 min 11 s
